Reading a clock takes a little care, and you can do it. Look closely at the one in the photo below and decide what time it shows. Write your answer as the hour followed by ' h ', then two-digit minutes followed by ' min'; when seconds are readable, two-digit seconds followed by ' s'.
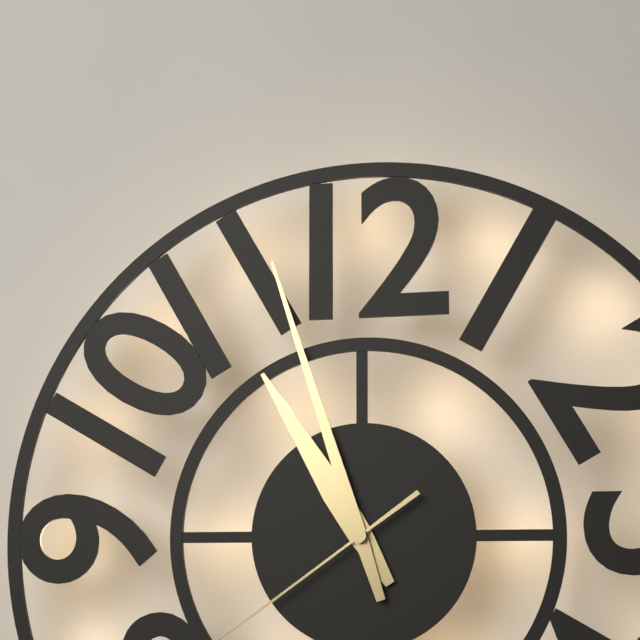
10 h 57 min
